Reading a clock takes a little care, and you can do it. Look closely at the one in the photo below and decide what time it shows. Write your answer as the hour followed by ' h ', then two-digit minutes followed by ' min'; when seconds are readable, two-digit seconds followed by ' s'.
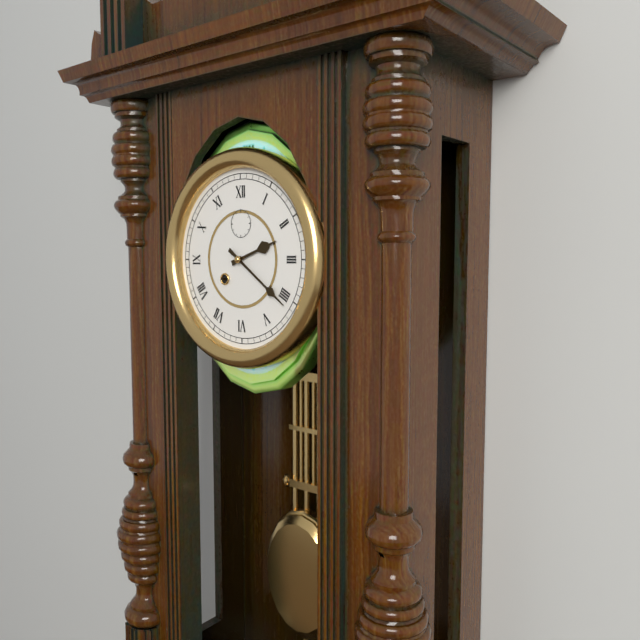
2 h 21 min
